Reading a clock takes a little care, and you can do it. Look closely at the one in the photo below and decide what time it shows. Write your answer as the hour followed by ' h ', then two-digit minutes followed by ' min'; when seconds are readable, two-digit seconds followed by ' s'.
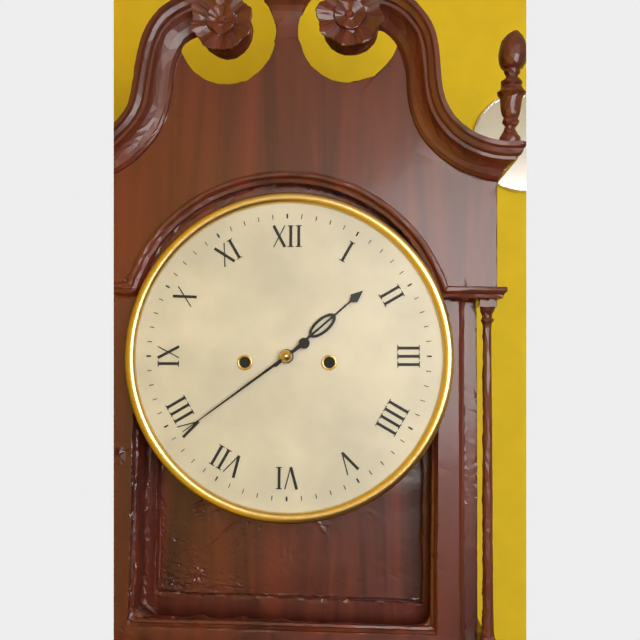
1 h 39 min
